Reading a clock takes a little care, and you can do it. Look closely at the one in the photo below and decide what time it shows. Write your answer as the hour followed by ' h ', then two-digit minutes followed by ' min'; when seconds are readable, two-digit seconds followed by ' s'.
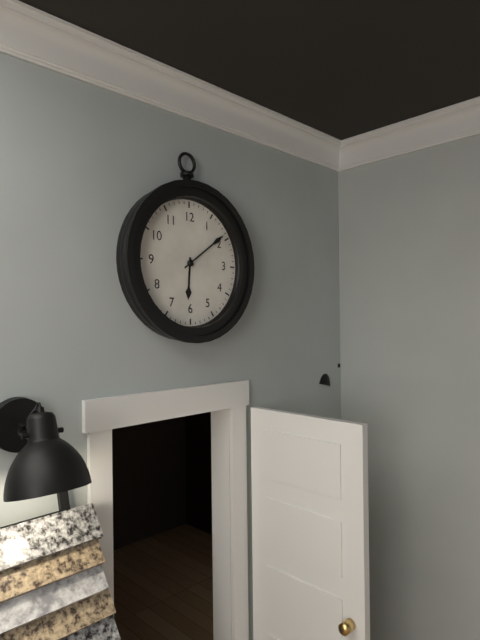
6 h 09 min
